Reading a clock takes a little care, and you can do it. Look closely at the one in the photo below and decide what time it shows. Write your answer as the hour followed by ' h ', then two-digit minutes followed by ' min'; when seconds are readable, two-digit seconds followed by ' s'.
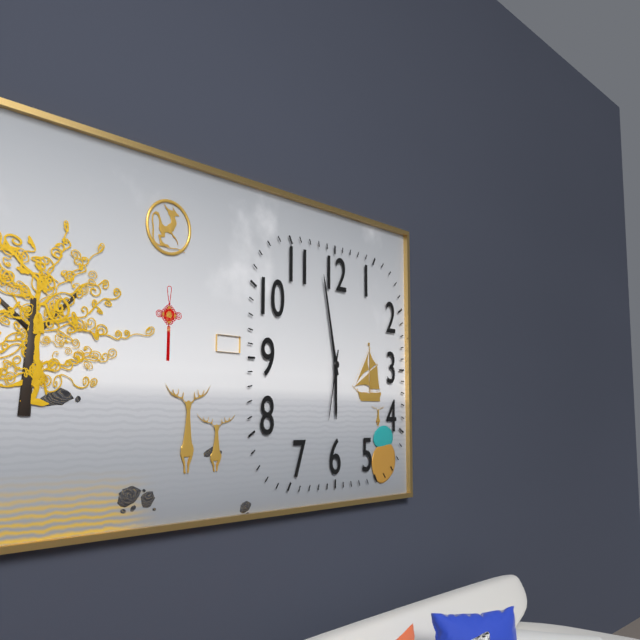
5 h 58 min 32 s
